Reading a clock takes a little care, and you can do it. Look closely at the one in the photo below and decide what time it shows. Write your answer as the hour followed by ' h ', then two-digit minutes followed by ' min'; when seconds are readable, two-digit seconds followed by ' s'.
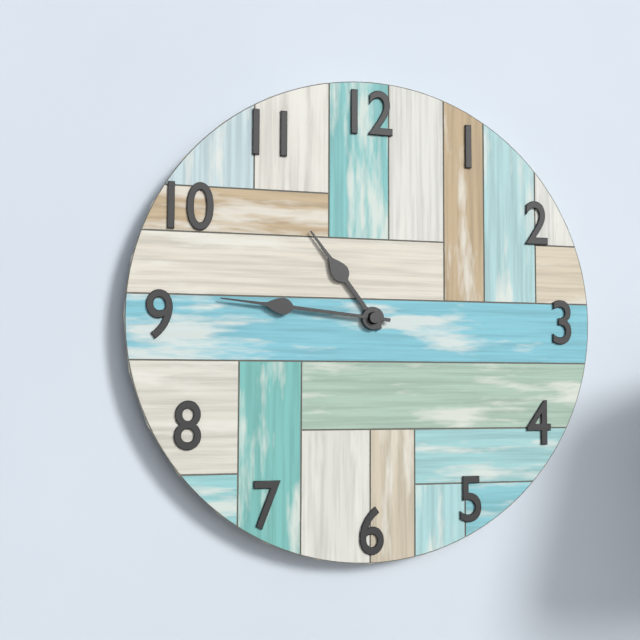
10 h 46 min
